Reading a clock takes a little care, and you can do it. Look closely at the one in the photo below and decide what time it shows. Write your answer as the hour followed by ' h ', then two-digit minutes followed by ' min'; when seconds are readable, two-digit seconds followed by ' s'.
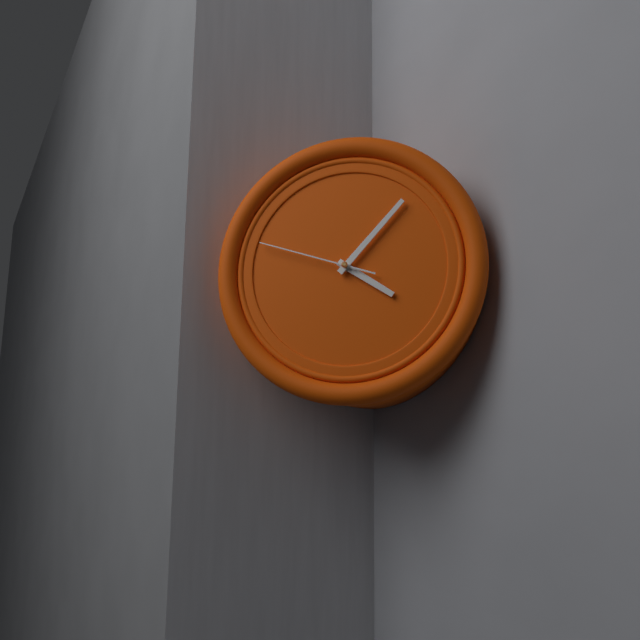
4 h 07 min 48 s
